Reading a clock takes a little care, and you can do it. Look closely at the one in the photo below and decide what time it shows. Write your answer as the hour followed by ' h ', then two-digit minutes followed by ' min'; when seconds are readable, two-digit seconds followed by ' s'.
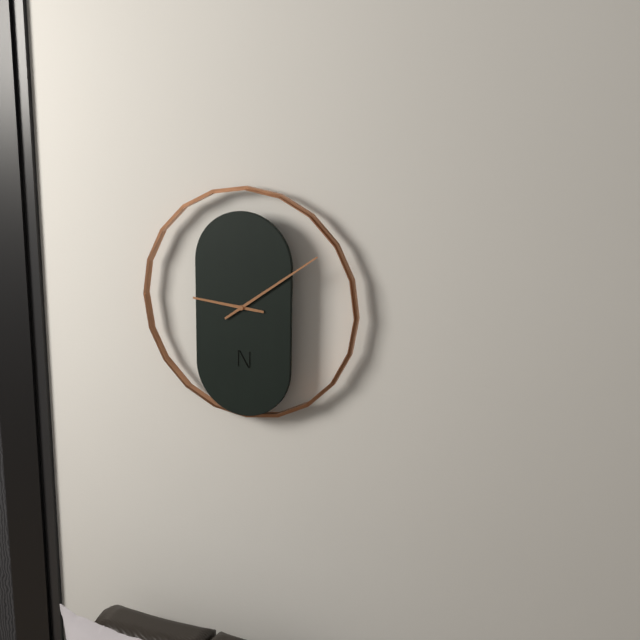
9 h 09 min
